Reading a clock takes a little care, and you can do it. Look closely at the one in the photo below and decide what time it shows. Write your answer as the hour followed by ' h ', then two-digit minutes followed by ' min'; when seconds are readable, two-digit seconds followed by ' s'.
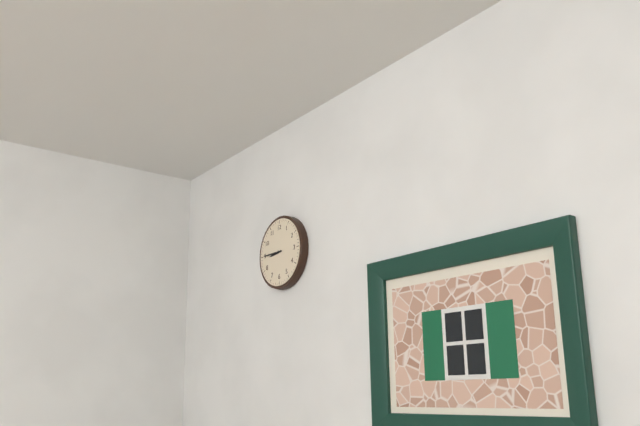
8 h 45 min
